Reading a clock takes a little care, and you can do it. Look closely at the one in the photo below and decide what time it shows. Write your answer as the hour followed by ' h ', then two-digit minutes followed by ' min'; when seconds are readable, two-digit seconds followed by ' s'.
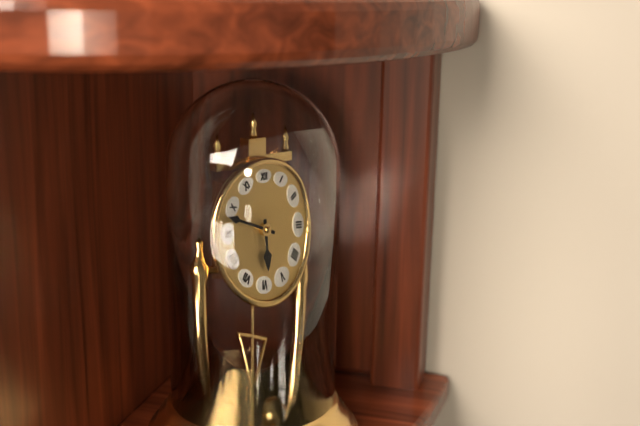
5 h 48 min
